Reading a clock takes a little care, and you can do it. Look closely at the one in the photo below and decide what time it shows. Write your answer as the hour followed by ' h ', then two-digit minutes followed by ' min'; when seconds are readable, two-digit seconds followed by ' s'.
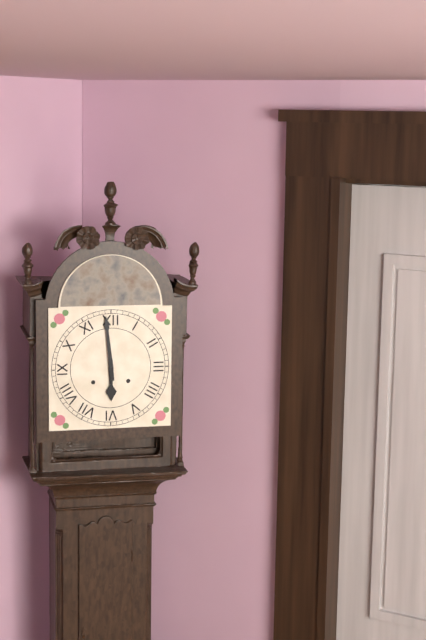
5 h 59 min
